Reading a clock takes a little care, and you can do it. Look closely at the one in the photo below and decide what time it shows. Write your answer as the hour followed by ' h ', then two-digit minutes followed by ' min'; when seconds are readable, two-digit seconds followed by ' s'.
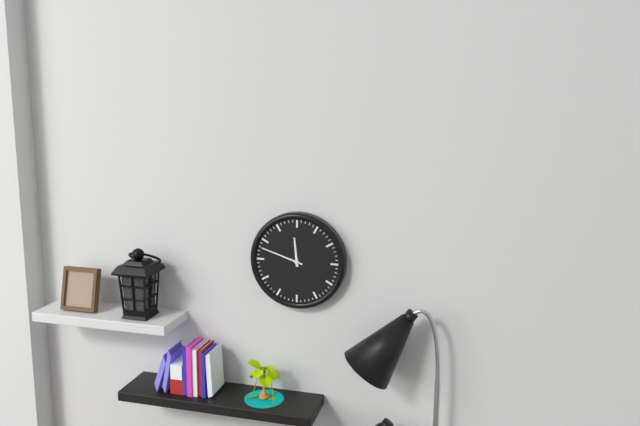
11 h 48 min
